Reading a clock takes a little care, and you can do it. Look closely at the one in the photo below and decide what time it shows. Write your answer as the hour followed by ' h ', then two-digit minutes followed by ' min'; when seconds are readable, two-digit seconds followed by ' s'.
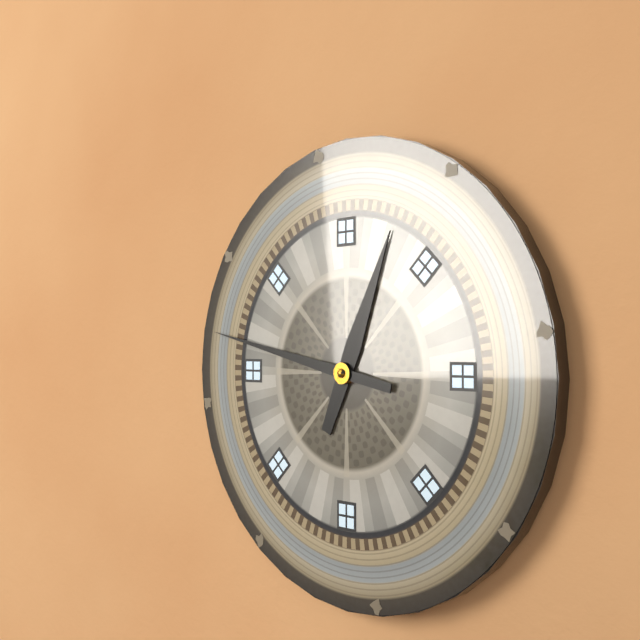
12 h 47 min
